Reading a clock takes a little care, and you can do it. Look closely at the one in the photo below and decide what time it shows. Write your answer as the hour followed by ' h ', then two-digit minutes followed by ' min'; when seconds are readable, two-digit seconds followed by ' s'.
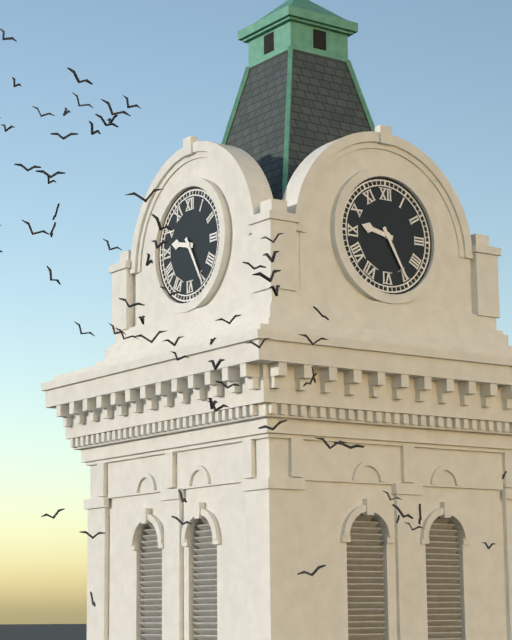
9 h 25 min
